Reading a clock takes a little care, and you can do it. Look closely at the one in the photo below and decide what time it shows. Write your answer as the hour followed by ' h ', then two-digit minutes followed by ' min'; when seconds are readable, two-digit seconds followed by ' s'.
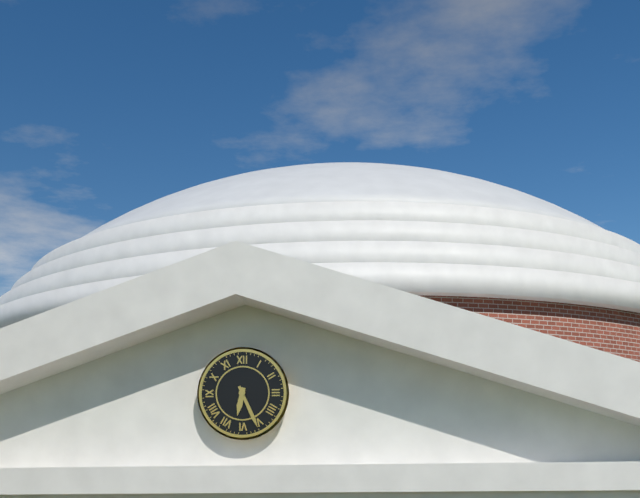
6 h 26 min
